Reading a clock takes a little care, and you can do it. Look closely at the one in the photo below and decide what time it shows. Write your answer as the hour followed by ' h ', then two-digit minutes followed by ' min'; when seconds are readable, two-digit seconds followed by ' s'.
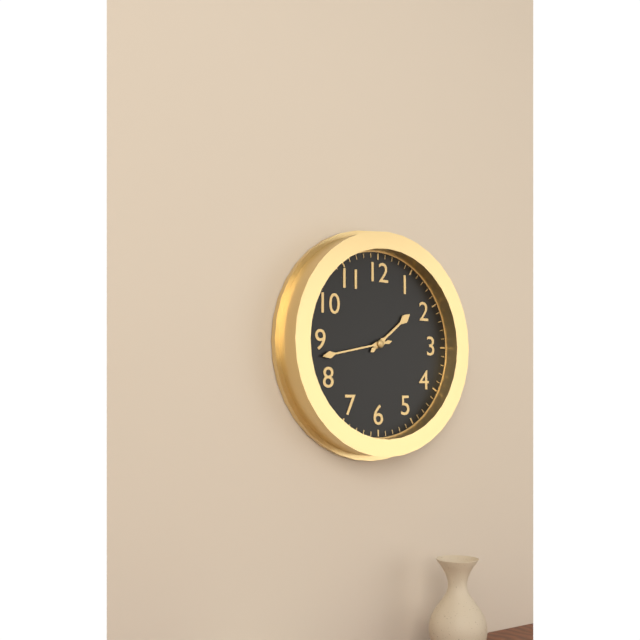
1 h 43 min
